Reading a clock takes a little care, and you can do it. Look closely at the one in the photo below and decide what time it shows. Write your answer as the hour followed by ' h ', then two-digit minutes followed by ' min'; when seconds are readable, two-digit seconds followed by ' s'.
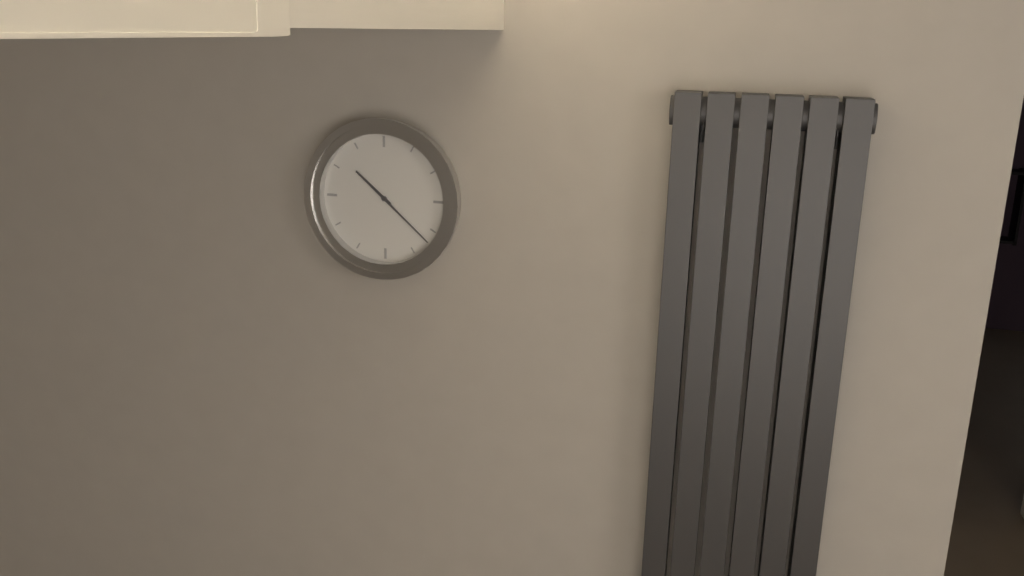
10 h 22 min
